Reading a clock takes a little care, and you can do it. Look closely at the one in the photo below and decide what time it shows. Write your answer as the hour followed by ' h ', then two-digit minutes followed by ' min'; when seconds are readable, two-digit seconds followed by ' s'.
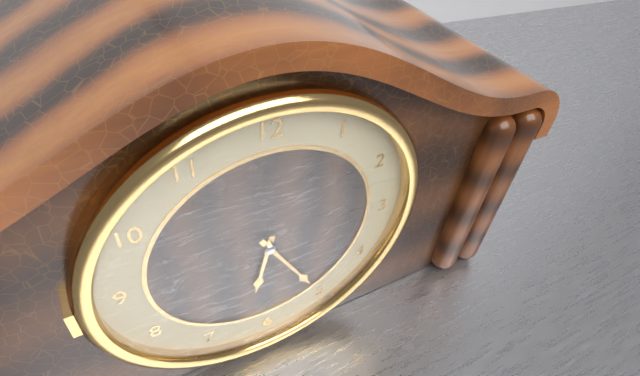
6 h 25 min
